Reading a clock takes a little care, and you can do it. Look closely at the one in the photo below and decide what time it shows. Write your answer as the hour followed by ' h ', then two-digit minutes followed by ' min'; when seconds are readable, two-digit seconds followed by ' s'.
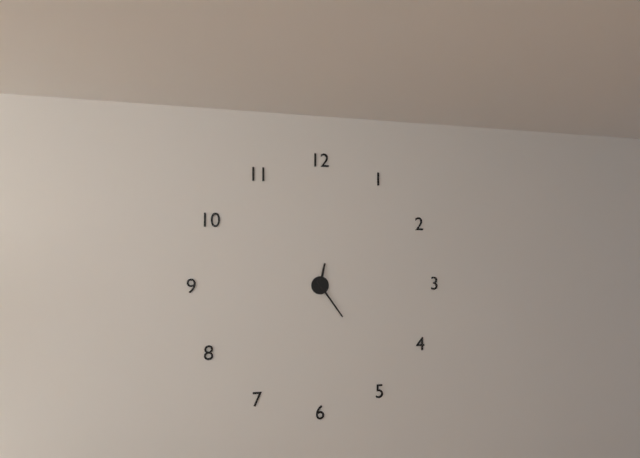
12 h 24 min
